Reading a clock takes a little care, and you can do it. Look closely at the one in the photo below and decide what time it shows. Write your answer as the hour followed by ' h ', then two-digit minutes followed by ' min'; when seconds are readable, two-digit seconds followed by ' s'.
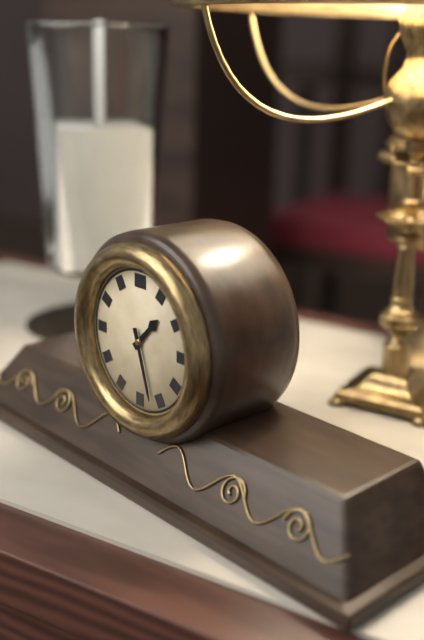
1 h 27 min
